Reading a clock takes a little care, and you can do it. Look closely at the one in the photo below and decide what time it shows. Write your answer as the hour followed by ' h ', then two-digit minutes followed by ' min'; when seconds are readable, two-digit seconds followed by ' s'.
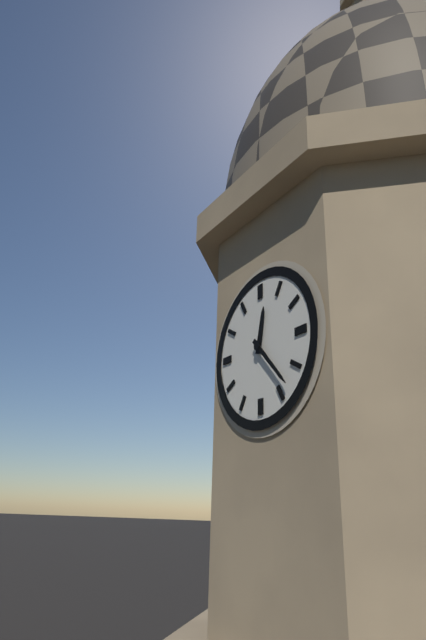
12 h 23 min
